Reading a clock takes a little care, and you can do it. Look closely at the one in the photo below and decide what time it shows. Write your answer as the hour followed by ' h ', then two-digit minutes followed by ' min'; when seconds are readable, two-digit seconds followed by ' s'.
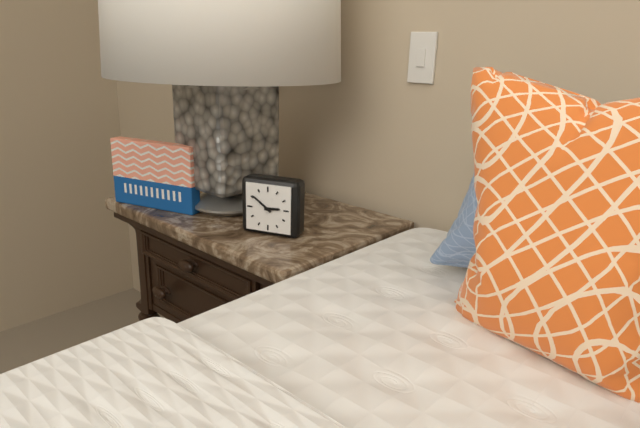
2 h 51 min
